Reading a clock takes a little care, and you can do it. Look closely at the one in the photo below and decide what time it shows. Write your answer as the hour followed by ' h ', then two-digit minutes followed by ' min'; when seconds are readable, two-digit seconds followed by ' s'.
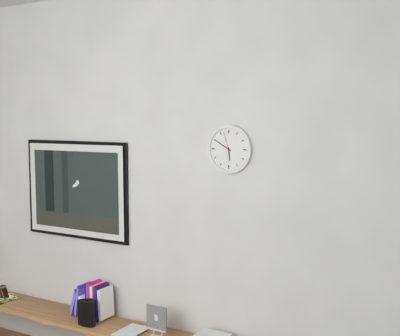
5 h 50 min
